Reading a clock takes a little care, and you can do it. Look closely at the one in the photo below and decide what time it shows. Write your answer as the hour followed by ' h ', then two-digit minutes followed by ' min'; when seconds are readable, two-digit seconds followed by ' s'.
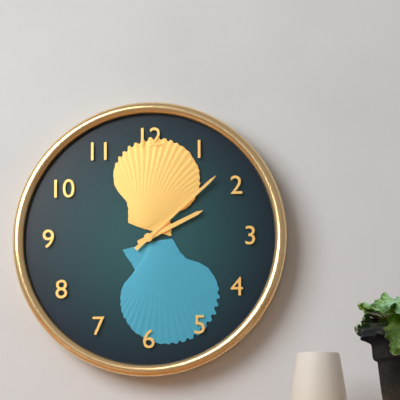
2 h 08 min
